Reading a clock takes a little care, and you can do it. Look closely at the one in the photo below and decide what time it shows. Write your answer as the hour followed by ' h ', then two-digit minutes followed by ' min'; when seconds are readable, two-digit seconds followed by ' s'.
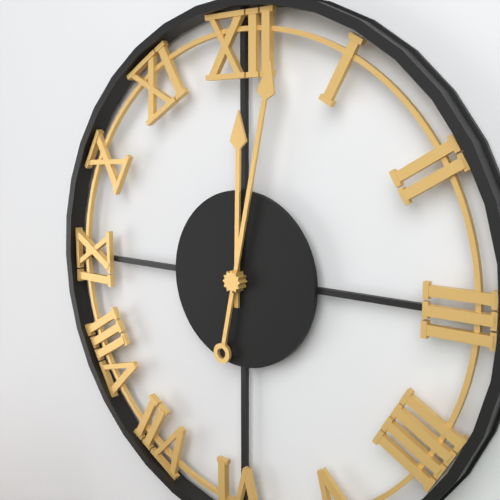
12 h 02 min
